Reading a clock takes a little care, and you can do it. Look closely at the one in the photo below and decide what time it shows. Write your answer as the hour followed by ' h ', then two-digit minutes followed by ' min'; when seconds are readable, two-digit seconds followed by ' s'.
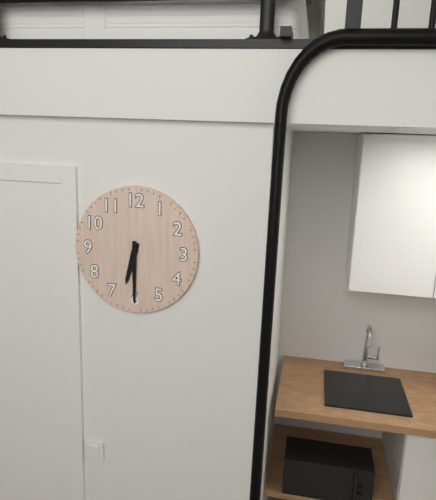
6 h 30 min
